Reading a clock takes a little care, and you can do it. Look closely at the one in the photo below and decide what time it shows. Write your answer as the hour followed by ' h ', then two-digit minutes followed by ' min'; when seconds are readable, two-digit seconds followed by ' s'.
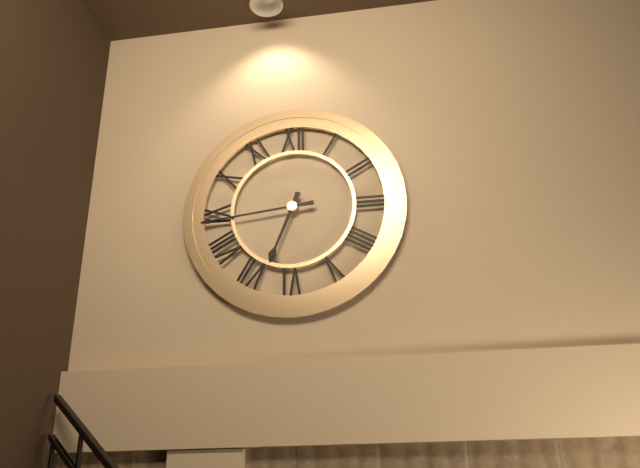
6 h 44 min
